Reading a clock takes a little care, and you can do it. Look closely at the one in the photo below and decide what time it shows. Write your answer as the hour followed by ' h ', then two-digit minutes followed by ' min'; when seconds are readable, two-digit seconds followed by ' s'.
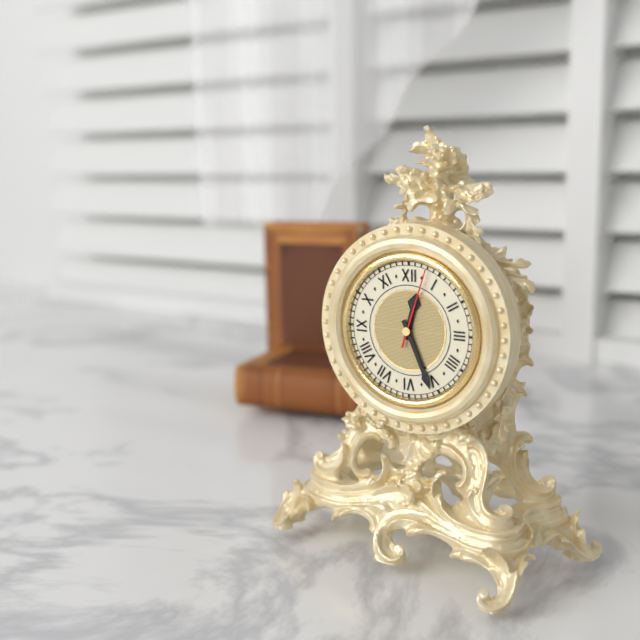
12 h 26 min 03 s
